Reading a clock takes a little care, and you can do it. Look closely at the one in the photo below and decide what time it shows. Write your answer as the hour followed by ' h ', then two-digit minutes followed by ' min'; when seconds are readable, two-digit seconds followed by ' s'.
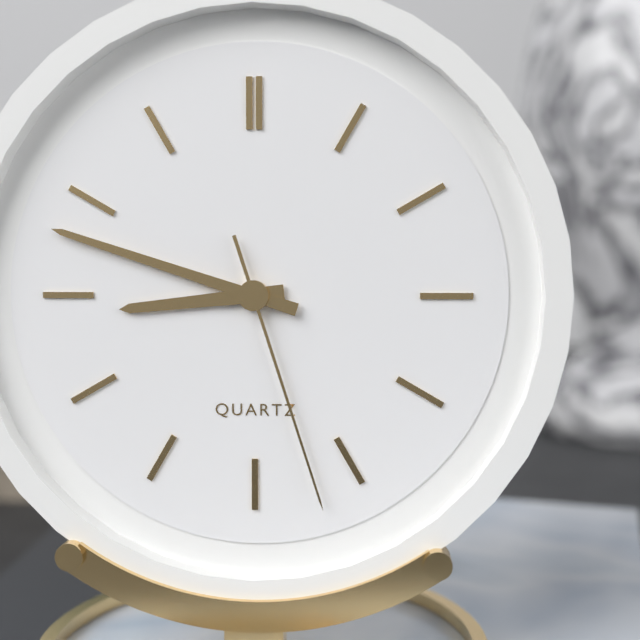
8 h 48 min 27 s
